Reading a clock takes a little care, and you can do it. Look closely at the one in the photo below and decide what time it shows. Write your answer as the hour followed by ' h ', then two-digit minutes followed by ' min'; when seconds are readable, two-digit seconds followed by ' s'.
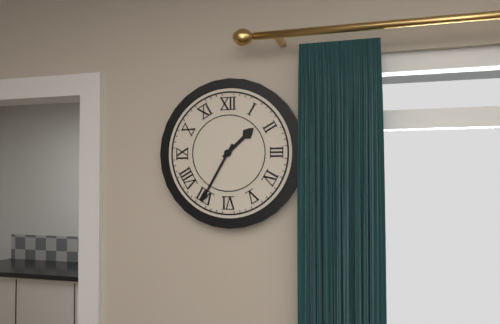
1 h 35 min
